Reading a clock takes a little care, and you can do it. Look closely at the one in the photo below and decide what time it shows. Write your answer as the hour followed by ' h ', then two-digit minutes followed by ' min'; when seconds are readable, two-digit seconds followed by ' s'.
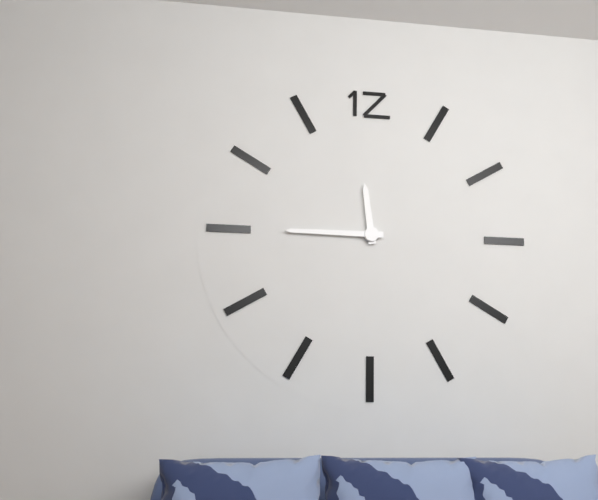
11 h 45 min
